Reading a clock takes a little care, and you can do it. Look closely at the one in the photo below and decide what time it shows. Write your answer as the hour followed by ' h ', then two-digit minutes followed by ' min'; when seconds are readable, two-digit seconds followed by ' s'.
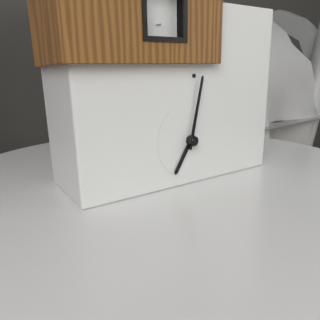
7 h 02 min
